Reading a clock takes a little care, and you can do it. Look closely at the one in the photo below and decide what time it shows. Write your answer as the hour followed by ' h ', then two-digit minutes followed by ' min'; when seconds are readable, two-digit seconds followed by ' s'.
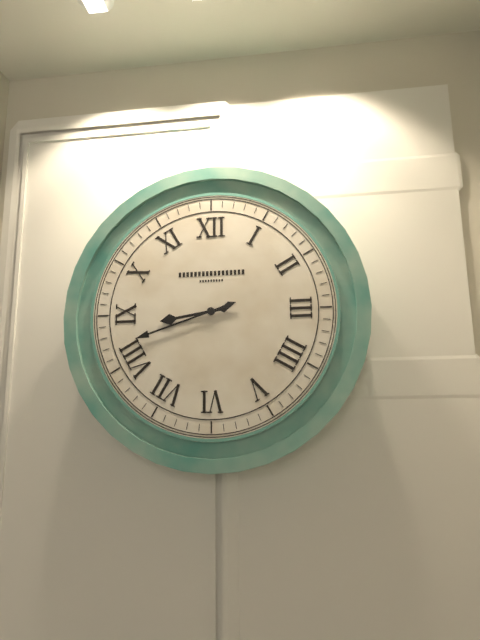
8 h 42 min
